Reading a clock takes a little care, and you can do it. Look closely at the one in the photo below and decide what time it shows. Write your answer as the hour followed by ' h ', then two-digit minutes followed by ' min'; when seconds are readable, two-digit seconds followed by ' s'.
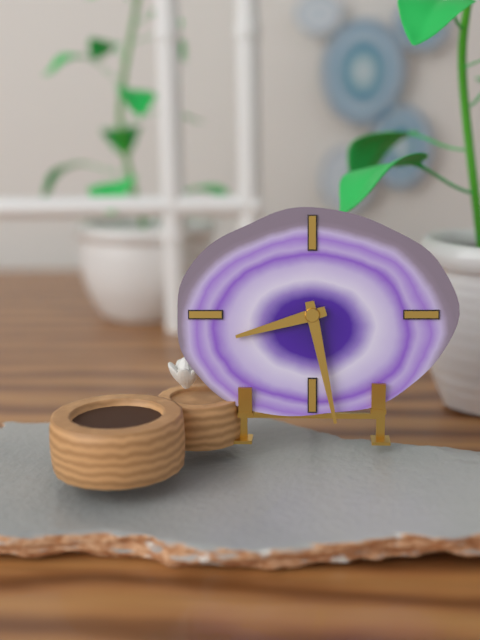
8 h 28 min
